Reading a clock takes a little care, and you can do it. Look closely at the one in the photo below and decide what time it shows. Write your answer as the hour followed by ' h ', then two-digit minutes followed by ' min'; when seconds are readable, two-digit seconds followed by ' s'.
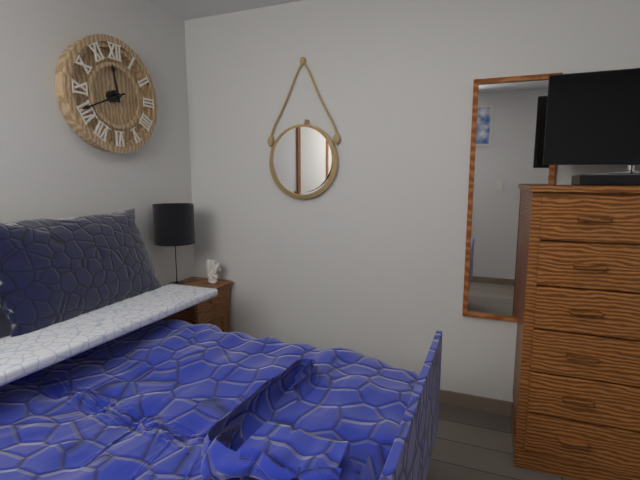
11 h 41 min
